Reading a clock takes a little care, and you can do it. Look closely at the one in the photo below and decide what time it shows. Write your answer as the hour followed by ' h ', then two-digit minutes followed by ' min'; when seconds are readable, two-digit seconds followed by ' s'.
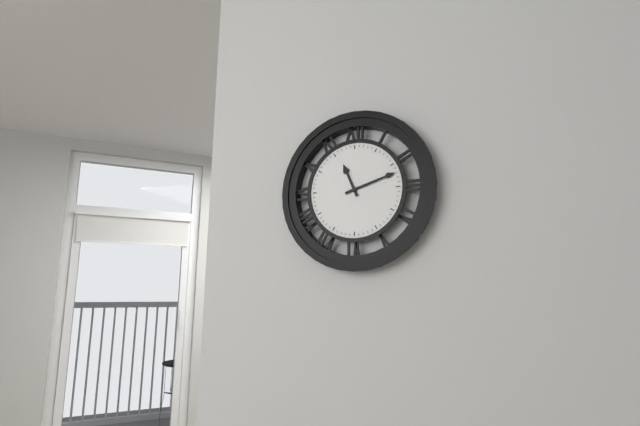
11 h 12 min
